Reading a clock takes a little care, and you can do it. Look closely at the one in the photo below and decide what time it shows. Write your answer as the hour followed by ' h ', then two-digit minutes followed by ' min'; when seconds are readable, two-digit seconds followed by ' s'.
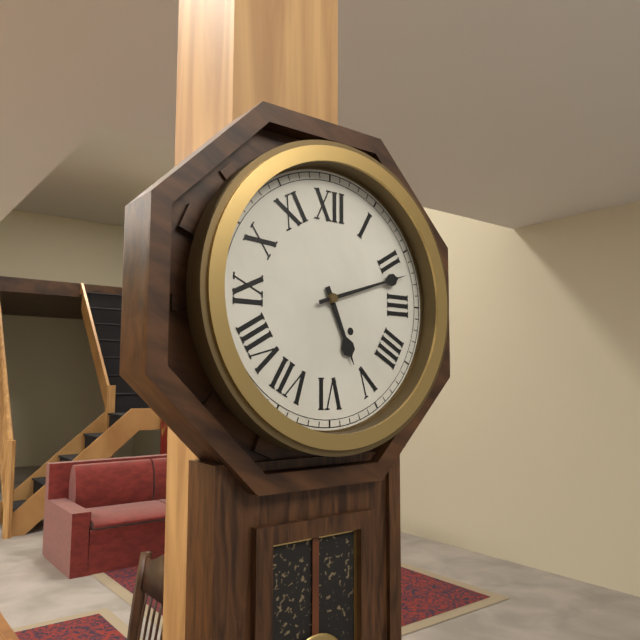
5 h 12 min
